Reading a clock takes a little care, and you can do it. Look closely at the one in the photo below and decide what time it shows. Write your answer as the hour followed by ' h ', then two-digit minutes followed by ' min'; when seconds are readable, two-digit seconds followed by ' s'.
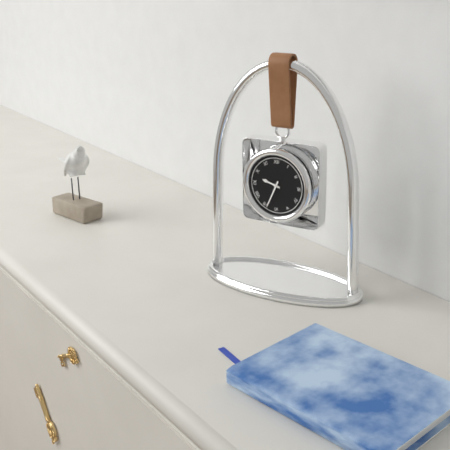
9 h 34 min
